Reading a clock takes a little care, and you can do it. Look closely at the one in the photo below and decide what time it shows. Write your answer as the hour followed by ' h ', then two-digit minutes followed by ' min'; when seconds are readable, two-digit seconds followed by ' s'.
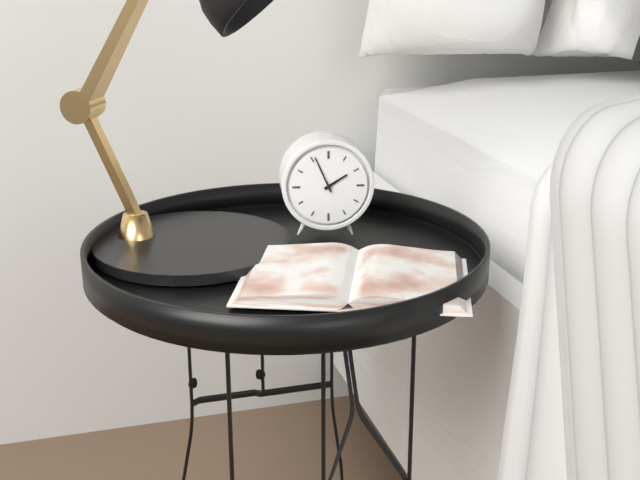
1 h 56 min
